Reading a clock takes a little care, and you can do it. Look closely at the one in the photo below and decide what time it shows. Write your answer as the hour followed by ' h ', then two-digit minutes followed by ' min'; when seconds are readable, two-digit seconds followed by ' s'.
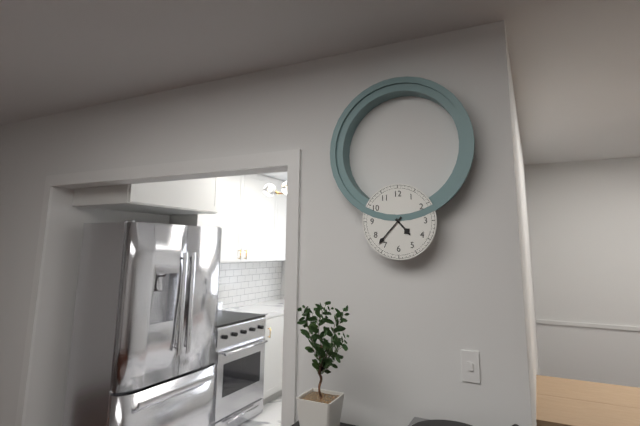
4 h 37 min
